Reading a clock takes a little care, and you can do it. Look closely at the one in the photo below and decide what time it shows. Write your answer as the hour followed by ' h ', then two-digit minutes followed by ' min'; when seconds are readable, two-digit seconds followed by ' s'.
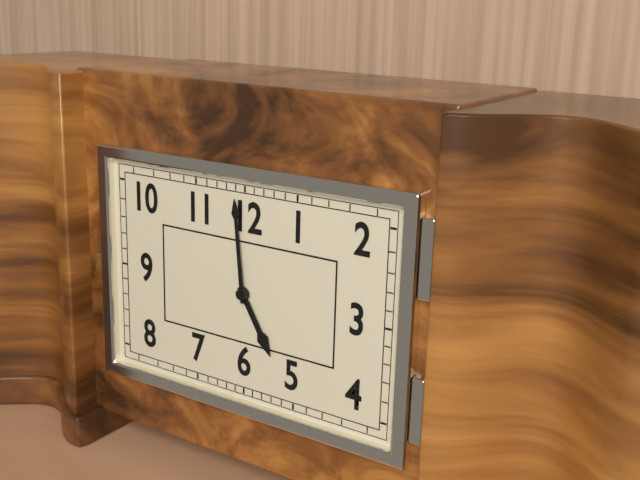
4 h 59 min
